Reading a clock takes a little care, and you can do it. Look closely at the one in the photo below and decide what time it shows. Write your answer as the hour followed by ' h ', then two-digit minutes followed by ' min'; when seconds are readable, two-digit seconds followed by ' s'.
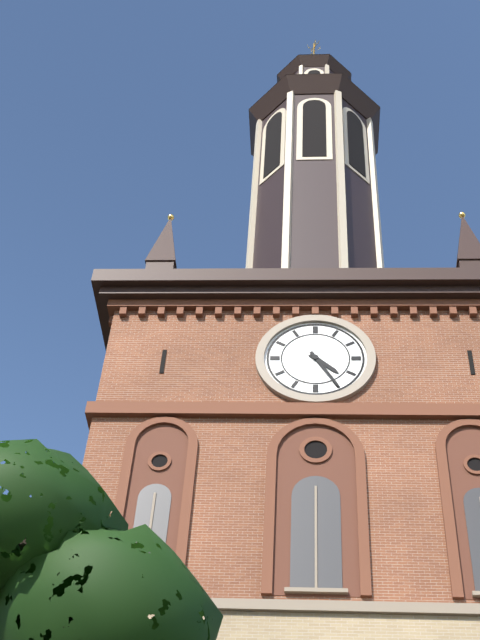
4 h 25 min
